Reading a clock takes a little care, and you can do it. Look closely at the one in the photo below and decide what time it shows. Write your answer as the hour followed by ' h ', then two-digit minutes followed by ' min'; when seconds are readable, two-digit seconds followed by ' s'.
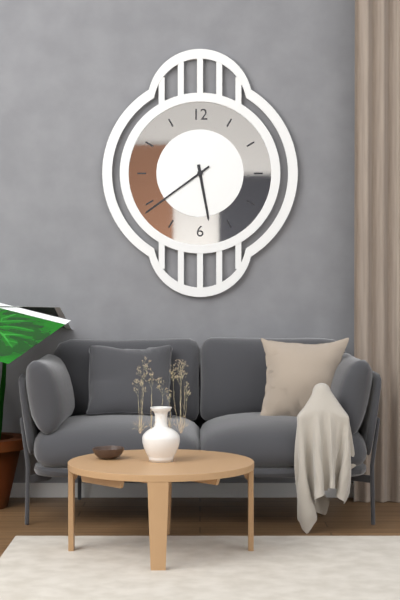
5 h 39 min
